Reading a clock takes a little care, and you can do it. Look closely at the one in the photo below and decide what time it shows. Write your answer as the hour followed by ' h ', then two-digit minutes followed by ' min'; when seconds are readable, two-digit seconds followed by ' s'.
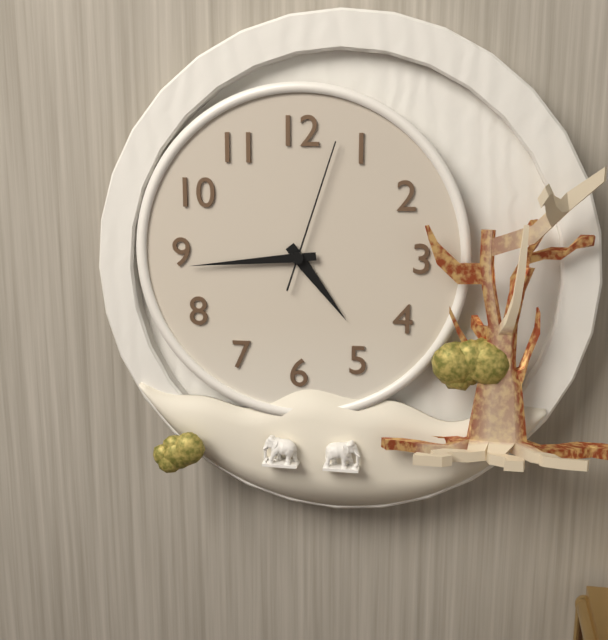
4 h 44 min 03 s
